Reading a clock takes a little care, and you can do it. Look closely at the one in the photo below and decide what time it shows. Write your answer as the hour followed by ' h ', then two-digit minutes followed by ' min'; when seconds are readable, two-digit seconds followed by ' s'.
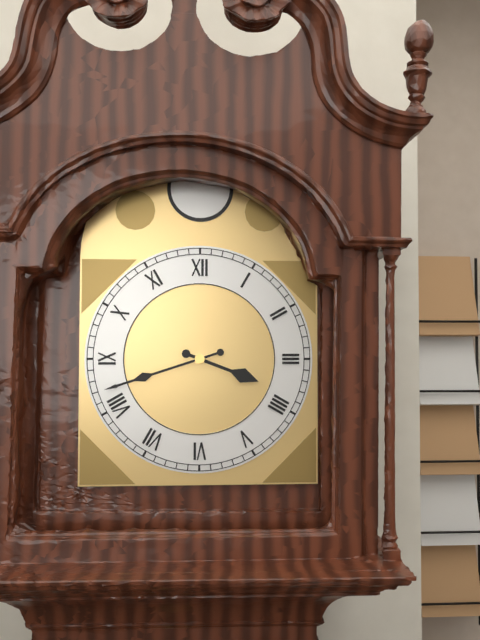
3 h 42 min
